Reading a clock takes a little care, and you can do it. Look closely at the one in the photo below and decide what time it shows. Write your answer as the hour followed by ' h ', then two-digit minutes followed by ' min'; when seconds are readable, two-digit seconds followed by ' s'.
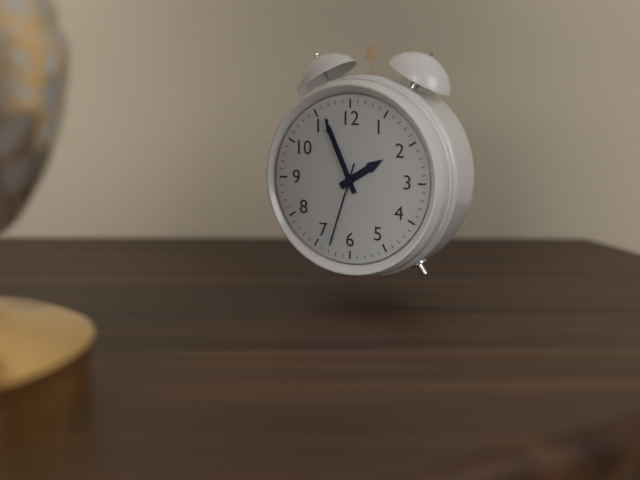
1 h 56 min 33 s
